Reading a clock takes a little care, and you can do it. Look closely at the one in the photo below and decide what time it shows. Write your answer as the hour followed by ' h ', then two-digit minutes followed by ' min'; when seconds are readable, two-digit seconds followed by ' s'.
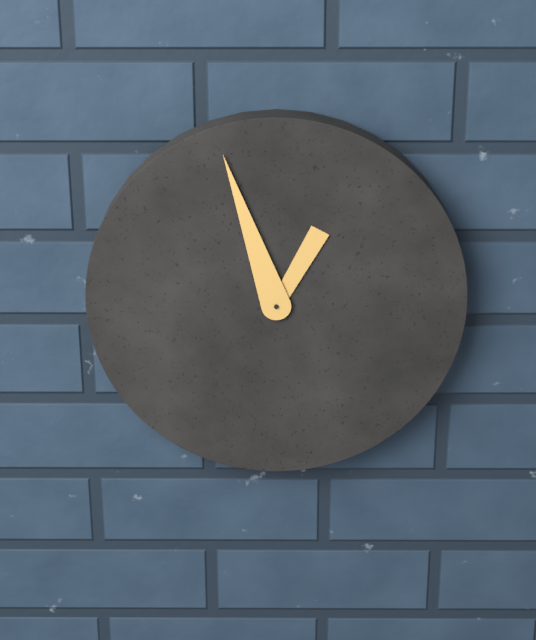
12 h 57 min
